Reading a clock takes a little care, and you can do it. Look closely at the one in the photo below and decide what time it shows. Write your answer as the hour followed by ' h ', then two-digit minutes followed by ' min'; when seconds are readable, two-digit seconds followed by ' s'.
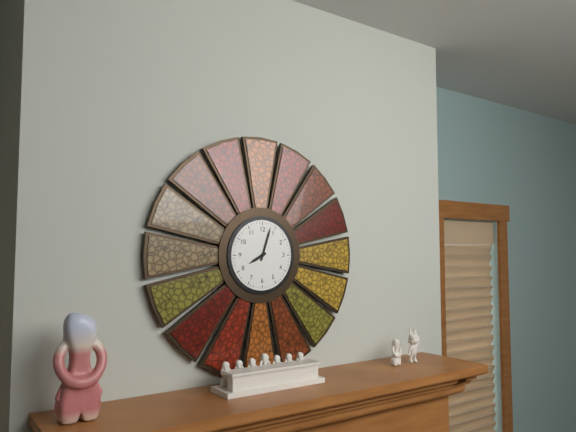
8 h 03 min
